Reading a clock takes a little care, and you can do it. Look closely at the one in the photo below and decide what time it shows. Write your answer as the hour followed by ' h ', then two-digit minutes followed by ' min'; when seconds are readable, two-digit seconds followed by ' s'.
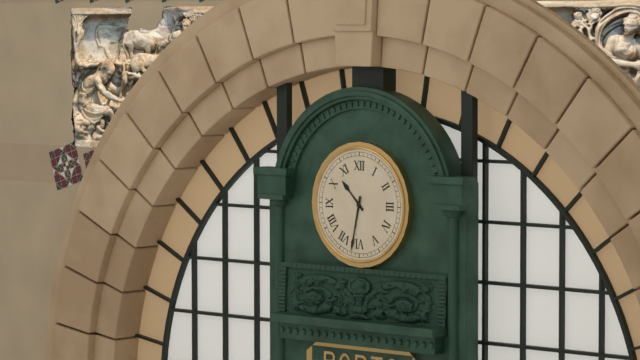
10 h 32 min
